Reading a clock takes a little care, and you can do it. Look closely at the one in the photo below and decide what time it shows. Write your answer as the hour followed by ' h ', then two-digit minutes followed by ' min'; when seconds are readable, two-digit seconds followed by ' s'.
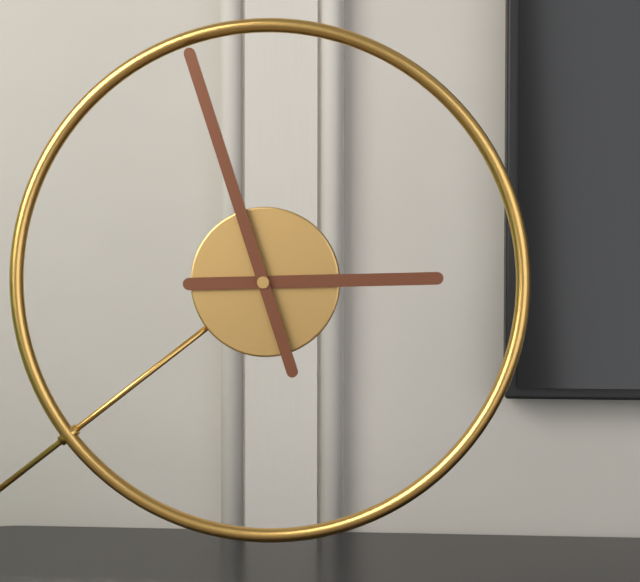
2 h 57 min
